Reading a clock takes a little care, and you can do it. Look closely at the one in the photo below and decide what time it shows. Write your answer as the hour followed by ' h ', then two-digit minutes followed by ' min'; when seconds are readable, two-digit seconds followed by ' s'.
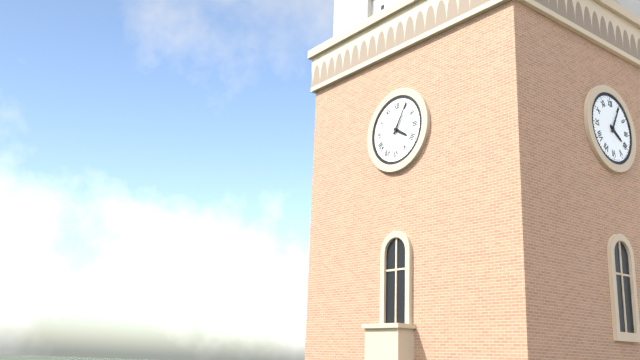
4 h 05 min
